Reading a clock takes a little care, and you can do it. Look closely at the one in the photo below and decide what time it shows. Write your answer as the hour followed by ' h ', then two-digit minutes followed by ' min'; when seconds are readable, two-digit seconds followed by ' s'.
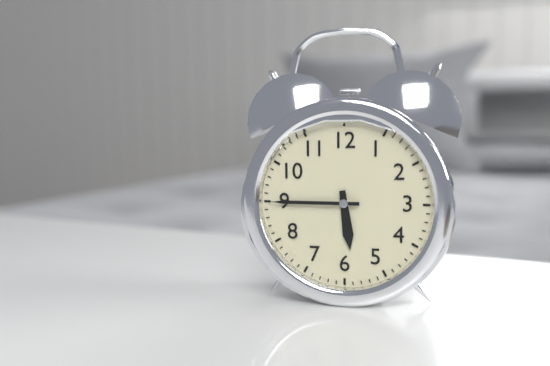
5 h 45 min
